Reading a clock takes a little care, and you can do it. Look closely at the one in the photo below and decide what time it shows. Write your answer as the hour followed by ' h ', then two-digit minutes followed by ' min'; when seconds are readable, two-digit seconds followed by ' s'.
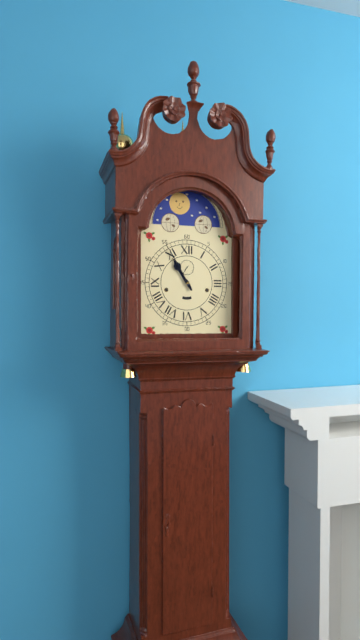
10 h 55 min
